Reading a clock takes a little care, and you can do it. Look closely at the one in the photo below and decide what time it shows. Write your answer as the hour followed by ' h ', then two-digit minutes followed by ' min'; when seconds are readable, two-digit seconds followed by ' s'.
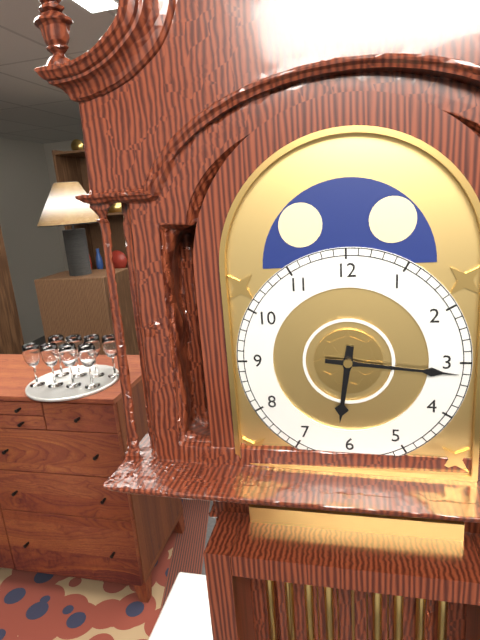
6 h 16 min
